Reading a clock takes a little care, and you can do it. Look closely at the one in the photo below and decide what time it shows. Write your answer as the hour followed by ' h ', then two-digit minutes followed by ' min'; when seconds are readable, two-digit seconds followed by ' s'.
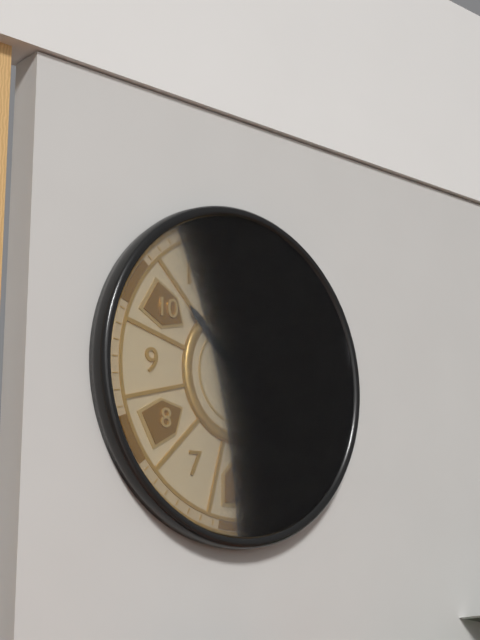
10 h 25 min 09 s
